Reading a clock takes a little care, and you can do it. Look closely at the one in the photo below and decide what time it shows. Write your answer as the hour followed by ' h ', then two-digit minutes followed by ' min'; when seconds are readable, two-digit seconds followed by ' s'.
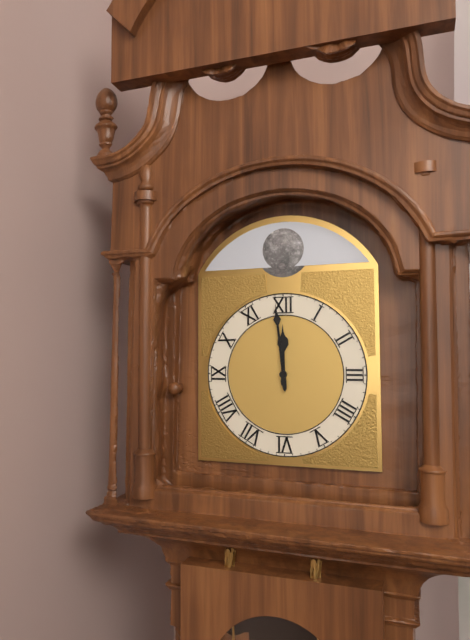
11 h 59 min
